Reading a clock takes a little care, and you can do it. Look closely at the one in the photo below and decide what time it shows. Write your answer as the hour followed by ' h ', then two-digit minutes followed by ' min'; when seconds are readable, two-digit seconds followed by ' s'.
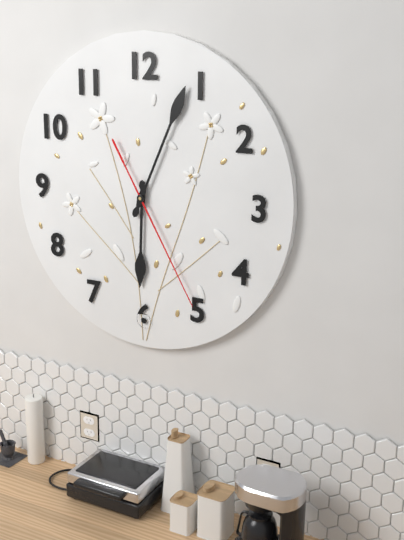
6 h 04 min 25 s
